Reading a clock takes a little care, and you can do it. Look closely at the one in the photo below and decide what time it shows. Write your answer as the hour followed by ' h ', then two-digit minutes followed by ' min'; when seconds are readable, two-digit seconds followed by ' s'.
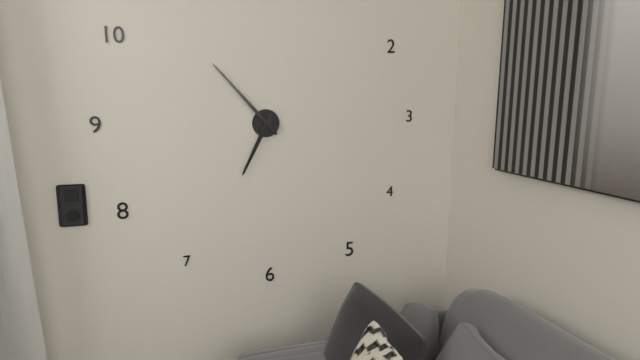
6 h 53 min
